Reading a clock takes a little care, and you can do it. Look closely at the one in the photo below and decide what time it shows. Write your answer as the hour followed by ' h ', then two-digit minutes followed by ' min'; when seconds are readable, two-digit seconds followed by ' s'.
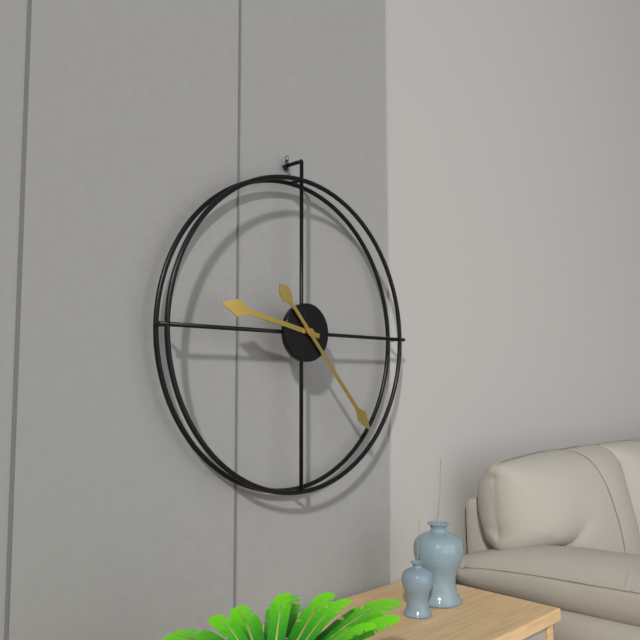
9 h 23 min
